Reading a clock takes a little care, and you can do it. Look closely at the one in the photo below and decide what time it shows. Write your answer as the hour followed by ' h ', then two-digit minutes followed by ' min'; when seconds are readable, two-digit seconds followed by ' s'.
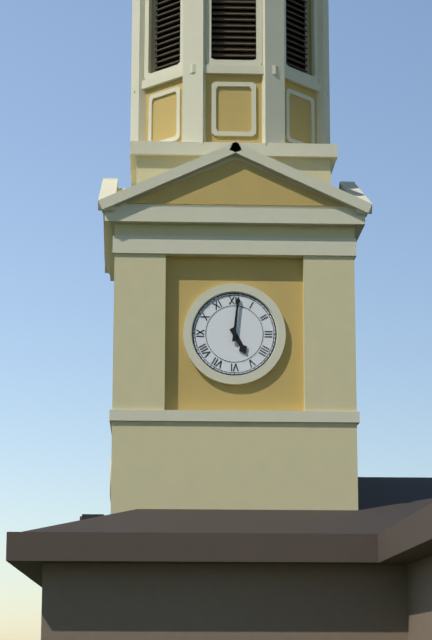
5 h 01 min
